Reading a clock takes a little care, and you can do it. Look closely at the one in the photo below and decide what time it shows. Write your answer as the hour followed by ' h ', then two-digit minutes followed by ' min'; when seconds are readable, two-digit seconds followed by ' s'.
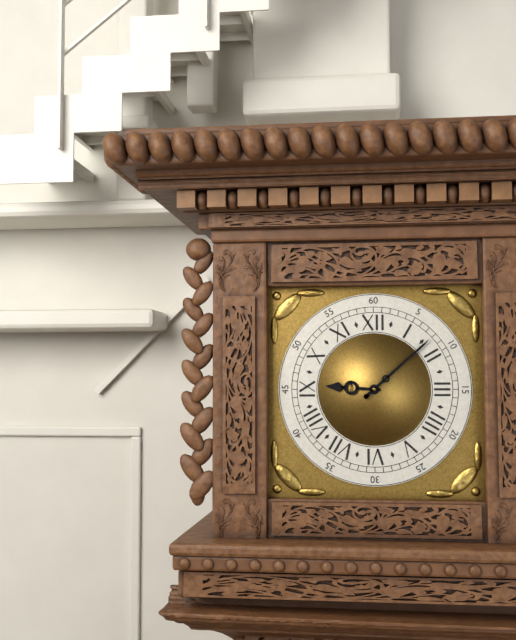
9 h 08 min
